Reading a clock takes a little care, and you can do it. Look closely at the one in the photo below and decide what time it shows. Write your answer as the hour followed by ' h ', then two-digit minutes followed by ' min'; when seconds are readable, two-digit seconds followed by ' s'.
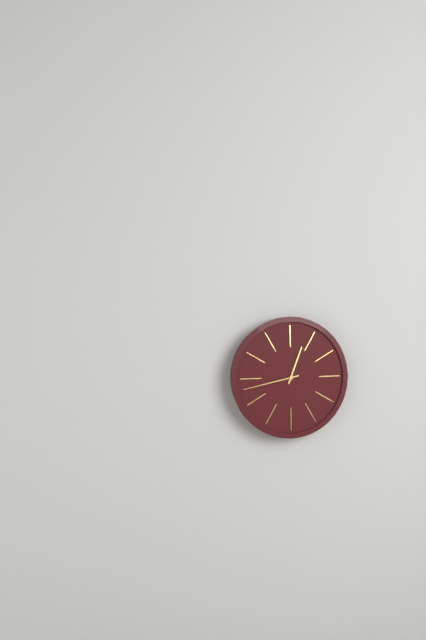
12 h 43 min
